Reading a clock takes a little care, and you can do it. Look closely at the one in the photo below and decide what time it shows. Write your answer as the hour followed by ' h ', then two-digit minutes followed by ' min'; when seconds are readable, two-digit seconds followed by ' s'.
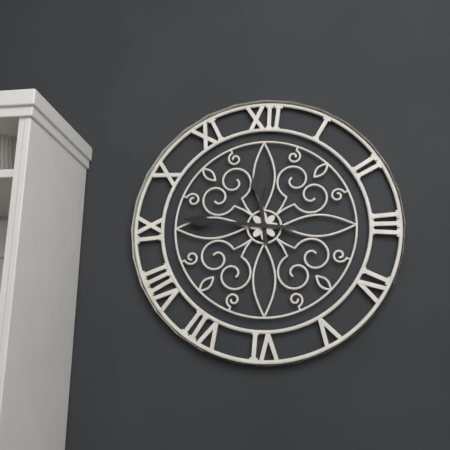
11 h 46 min
